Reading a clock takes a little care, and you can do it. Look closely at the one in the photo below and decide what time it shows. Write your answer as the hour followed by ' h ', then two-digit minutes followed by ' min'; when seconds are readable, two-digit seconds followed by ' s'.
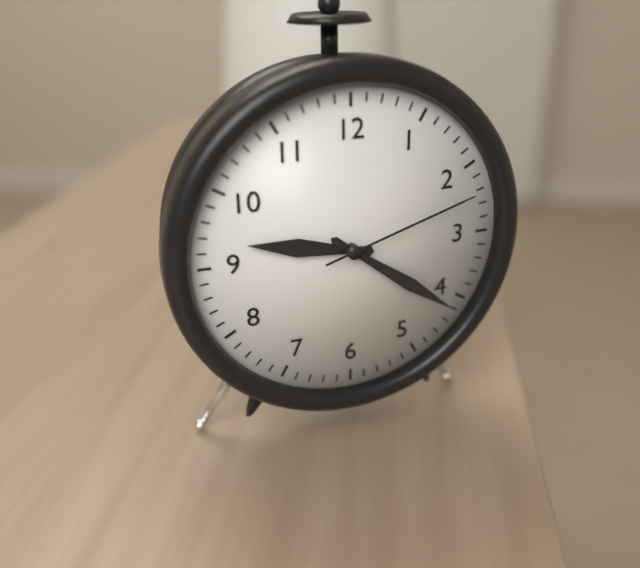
9 h 21 min 12 s
